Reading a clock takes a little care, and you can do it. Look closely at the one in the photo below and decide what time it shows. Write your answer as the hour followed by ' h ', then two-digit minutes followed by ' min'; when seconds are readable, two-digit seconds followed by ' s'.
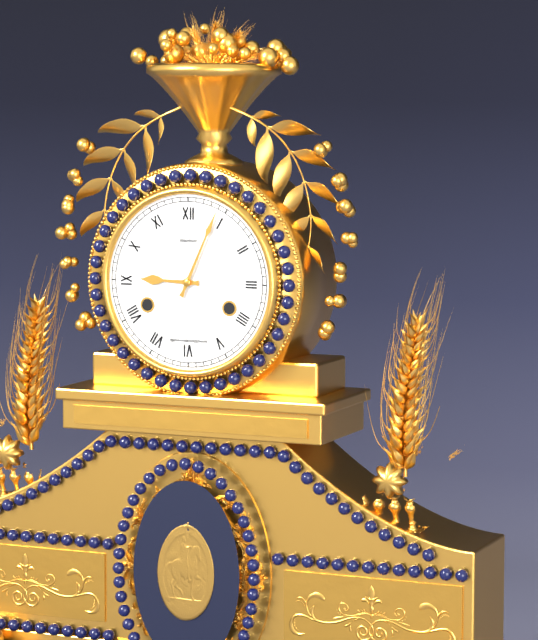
9 h 04 min
